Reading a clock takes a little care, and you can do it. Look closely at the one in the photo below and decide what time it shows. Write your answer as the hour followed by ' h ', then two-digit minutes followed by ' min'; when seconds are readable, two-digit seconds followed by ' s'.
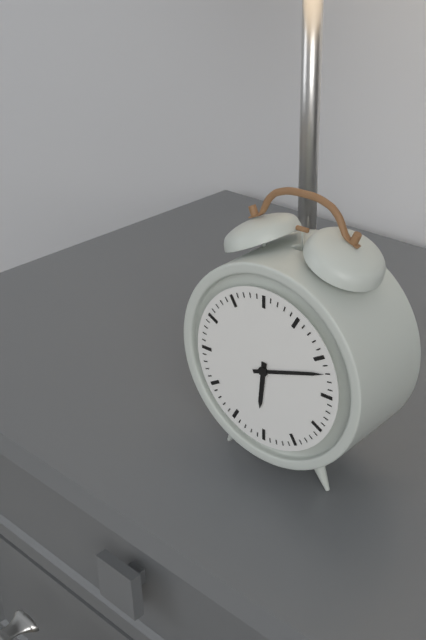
6 h 12 min
